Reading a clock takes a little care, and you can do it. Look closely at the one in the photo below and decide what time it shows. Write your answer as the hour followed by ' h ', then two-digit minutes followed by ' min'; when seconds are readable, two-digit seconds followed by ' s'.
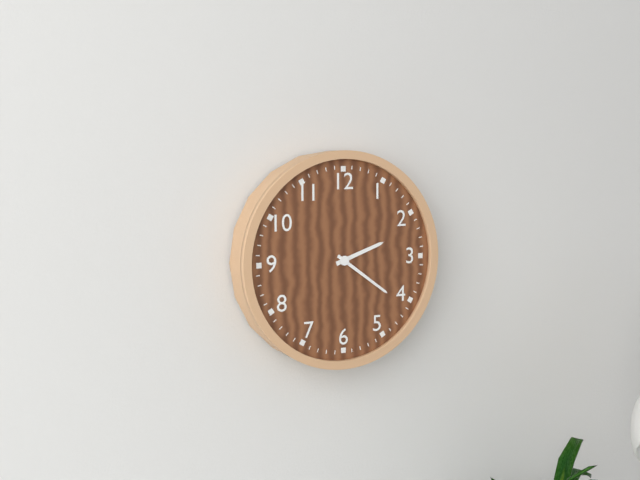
2 h 21 min
